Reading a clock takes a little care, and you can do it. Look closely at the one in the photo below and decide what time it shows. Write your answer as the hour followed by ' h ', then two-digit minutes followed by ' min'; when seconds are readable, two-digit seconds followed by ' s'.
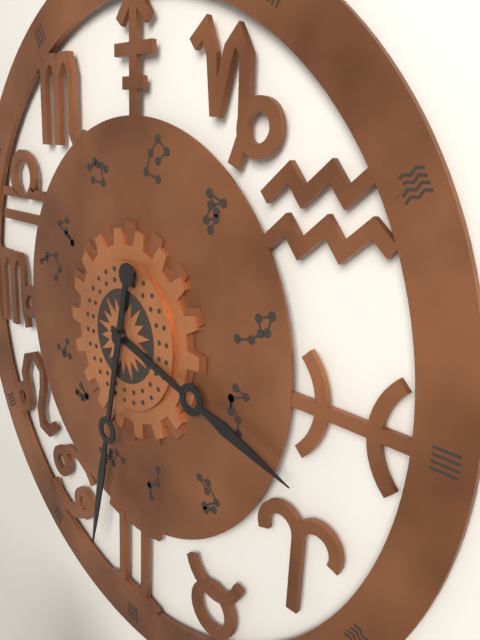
3 h 32 min
